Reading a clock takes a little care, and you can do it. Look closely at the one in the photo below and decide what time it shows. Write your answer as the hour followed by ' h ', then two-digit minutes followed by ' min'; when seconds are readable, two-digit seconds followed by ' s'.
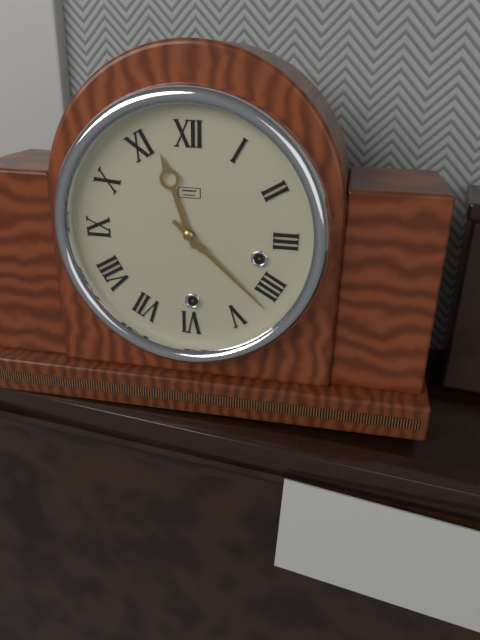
11 h 22 min
